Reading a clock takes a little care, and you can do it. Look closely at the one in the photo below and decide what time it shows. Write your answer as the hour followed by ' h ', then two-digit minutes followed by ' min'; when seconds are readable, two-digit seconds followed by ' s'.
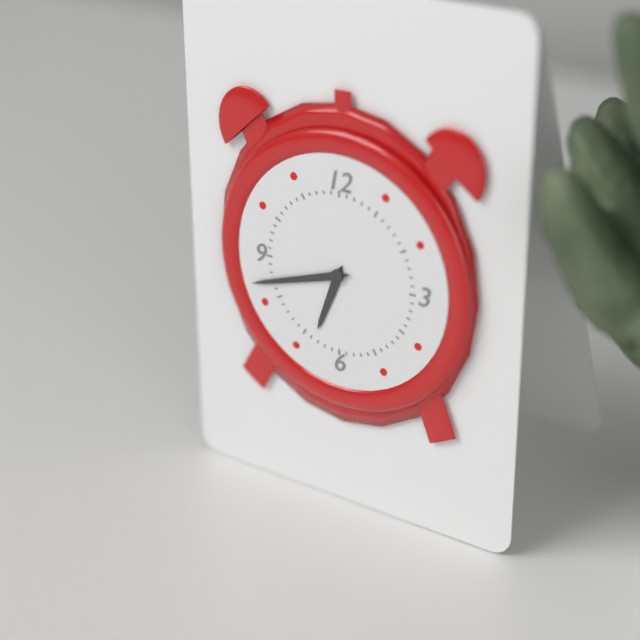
6 h 42 min
